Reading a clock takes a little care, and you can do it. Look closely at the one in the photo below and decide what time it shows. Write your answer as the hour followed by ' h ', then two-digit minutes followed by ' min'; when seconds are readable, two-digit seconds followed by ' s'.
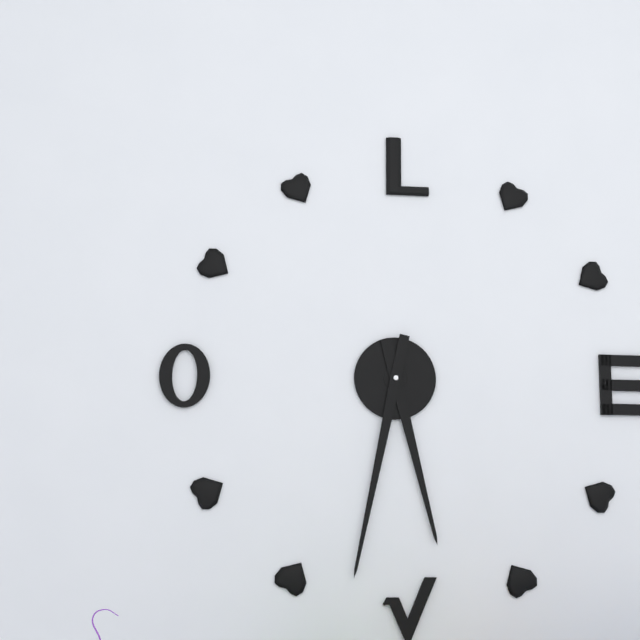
5 h 32 min
